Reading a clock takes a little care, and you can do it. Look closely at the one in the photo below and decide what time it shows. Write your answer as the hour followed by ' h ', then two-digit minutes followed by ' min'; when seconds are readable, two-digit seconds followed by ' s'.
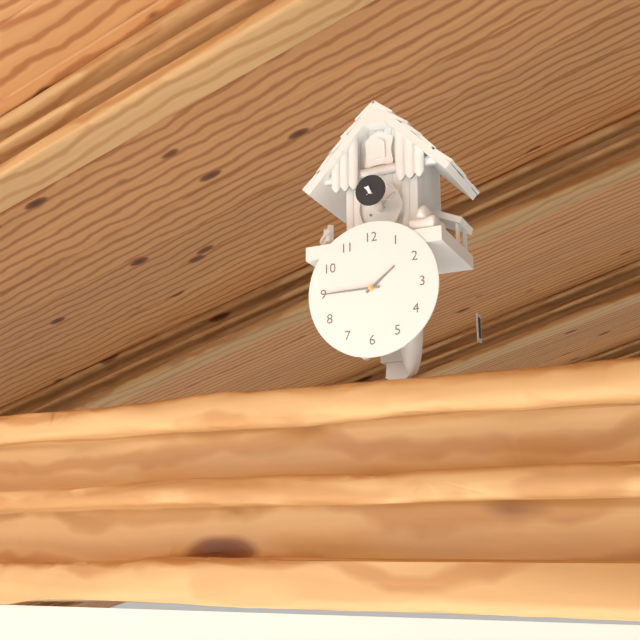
1 h 45 min
